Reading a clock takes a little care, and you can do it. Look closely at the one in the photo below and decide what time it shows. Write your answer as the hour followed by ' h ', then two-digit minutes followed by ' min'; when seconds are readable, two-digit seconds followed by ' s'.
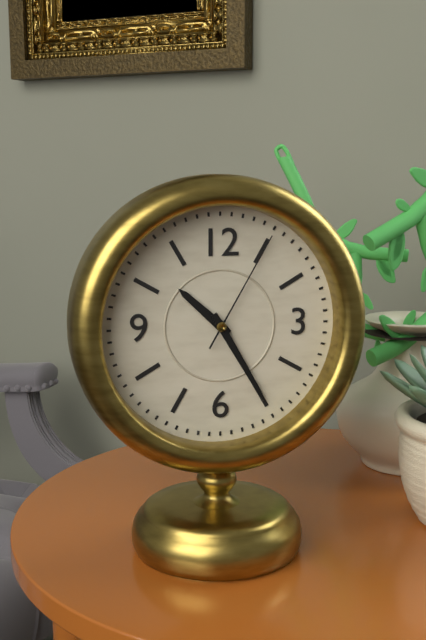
10 h 25 min 05 s
